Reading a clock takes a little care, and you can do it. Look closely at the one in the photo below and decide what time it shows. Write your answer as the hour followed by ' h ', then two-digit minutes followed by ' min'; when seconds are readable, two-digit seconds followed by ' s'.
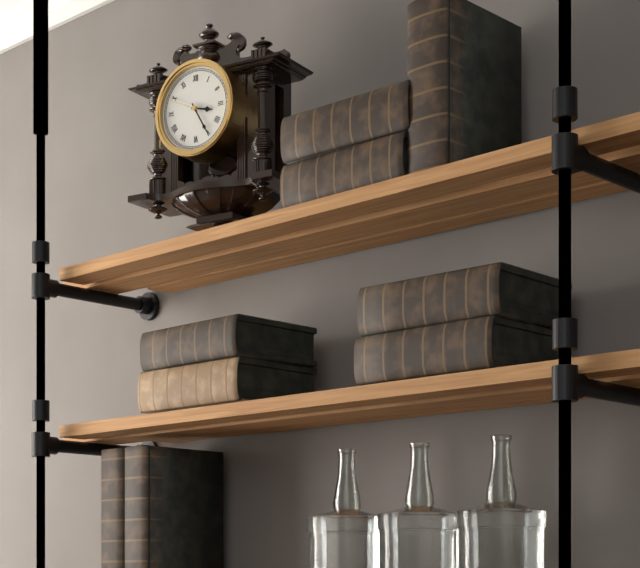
3 h 25 min
